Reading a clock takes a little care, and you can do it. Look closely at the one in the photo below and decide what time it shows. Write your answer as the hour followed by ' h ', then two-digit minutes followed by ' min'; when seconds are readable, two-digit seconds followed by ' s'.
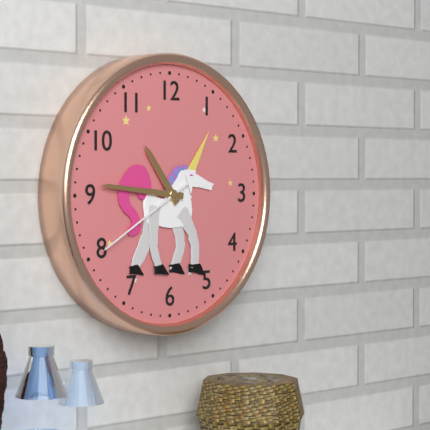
10 h 46 min 40 s
